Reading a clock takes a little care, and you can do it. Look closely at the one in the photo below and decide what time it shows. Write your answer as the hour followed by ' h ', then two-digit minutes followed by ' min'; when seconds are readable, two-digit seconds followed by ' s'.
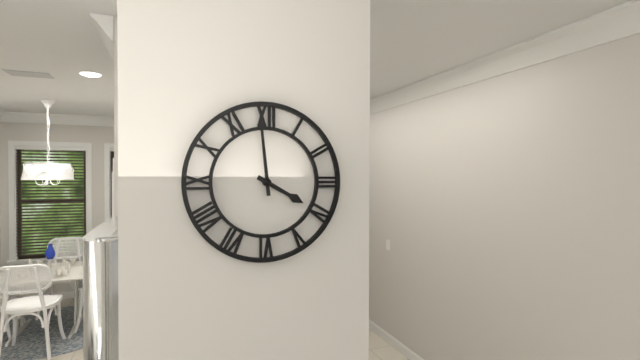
3 h 59 min
